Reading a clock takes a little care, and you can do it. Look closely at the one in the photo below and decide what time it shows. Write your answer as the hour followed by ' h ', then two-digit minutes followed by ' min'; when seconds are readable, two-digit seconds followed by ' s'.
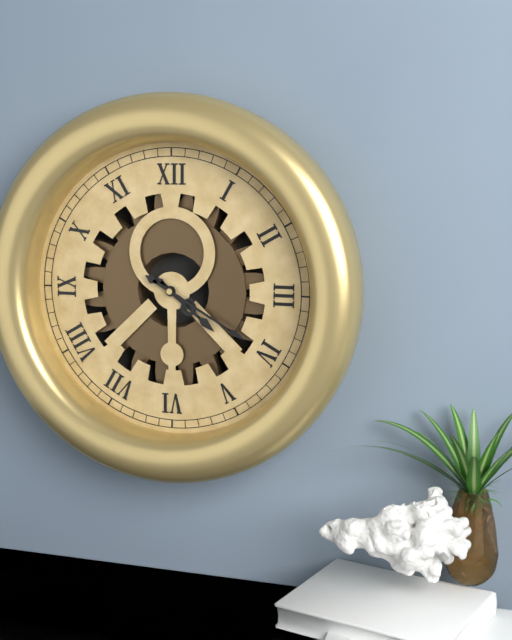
4 h 20 min
